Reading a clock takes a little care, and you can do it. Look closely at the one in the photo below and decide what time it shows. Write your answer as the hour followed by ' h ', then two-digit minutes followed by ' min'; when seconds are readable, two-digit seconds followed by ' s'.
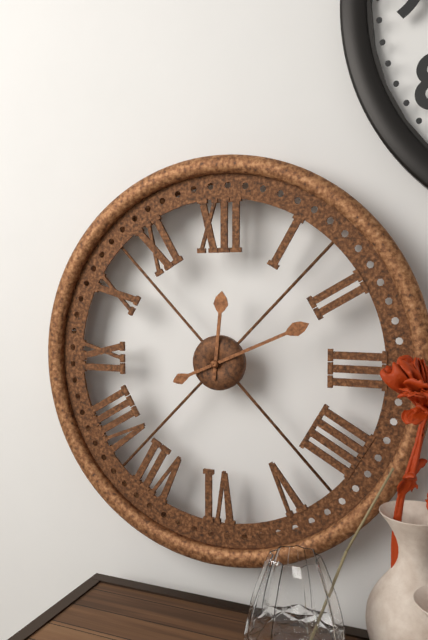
12 h 11 min
